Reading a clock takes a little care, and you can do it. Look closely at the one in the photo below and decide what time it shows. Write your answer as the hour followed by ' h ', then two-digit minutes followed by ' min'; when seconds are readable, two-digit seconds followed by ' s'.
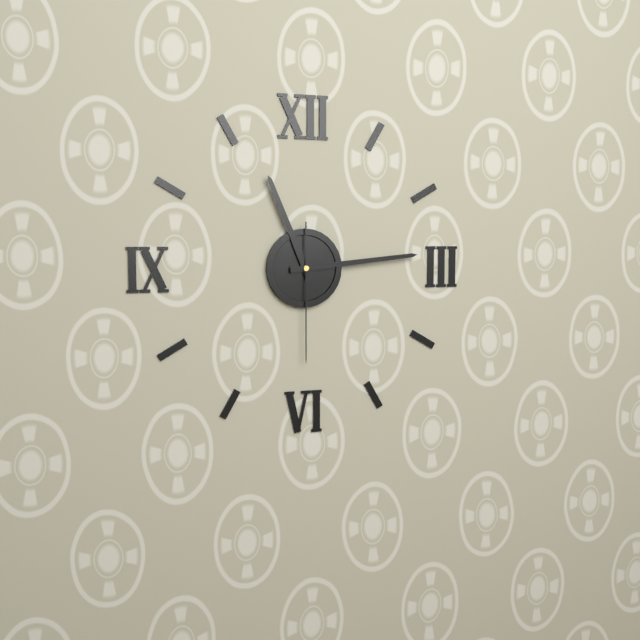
11 h 14 min 30 s
